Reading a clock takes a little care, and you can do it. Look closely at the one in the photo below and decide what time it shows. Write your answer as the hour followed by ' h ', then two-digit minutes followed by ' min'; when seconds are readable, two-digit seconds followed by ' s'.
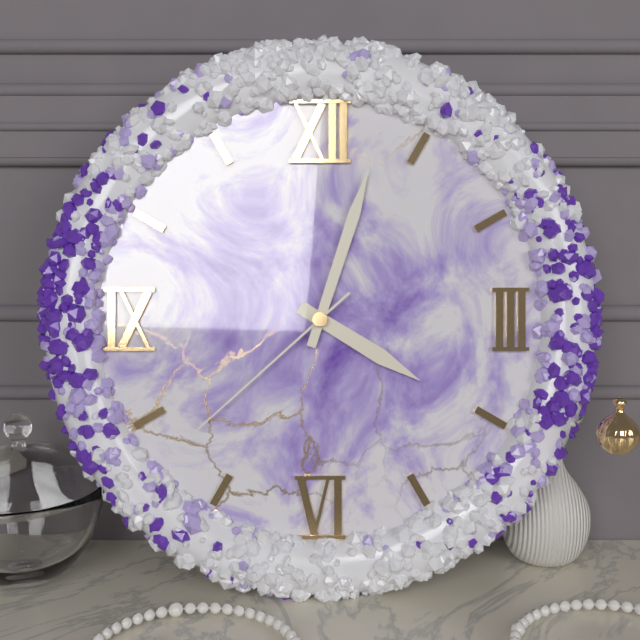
4 h 03 min 38 s
